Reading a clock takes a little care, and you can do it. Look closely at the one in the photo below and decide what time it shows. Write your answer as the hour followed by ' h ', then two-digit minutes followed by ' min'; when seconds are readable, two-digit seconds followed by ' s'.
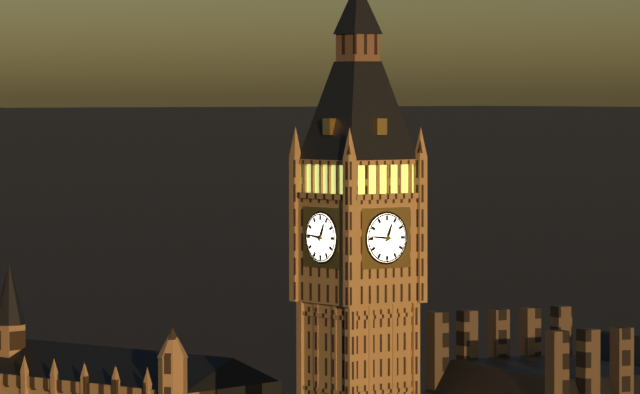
12 h 46 min
